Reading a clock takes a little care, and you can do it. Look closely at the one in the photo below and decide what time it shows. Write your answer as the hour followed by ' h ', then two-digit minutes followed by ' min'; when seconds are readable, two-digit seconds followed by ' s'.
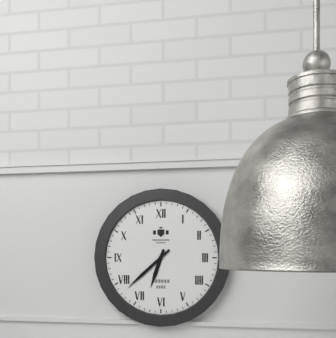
6 h 38 min
